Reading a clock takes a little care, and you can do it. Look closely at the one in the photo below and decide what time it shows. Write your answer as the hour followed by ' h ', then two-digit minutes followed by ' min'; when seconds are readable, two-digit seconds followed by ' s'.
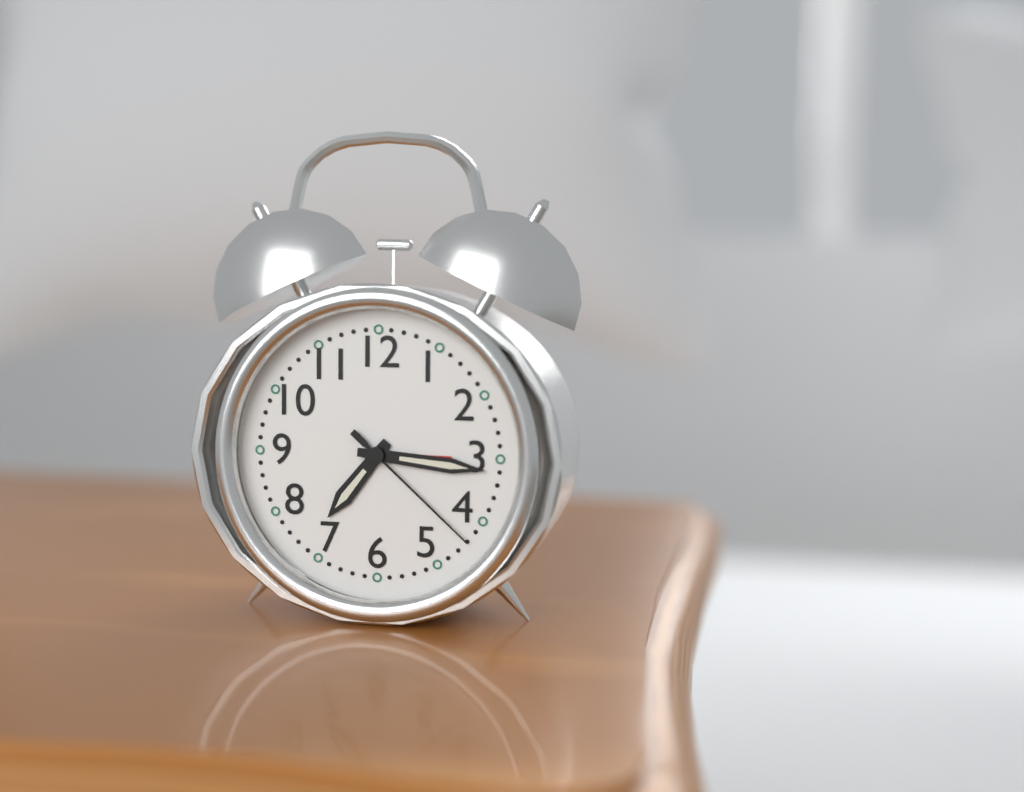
7 h 16 min 22 s
